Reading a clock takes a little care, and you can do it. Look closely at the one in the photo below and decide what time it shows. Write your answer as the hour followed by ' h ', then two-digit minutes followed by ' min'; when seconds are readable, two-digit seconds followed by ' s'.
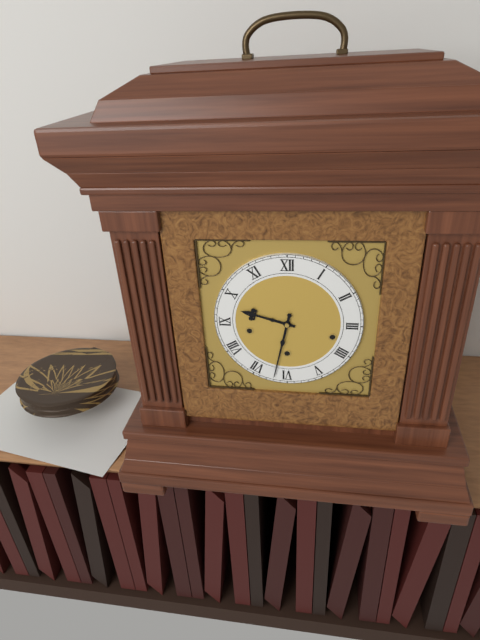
9 h 32 min
